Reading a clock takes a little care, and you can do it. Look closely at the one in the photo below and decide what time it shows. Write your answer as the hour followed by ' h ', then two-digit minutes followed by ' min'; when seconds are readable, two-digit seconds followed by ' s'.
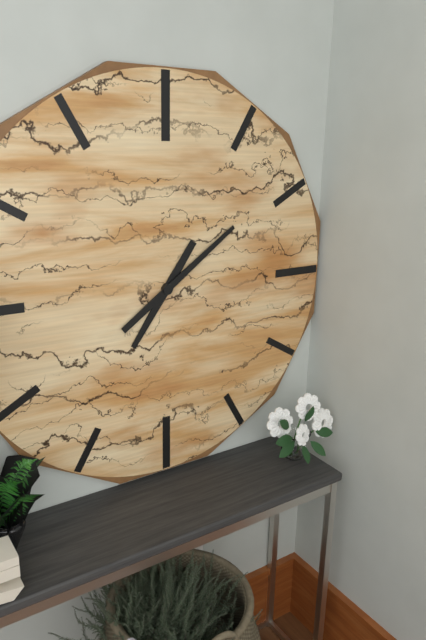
7 h 09 min
